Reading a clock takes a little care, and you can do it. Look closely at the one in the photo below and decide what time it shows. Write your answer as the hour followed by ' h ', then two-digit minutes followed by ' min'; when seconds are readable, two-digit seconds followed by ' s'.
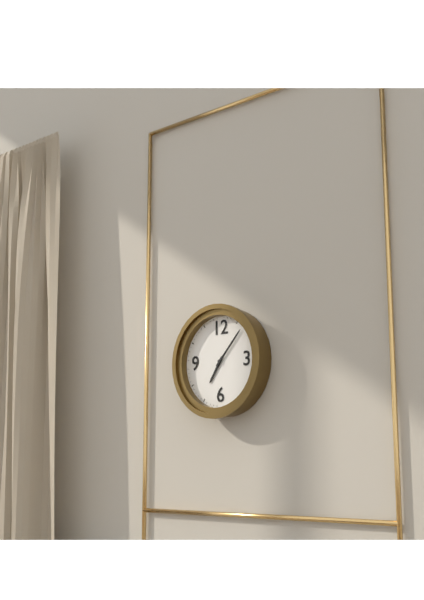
7 h 07 min
